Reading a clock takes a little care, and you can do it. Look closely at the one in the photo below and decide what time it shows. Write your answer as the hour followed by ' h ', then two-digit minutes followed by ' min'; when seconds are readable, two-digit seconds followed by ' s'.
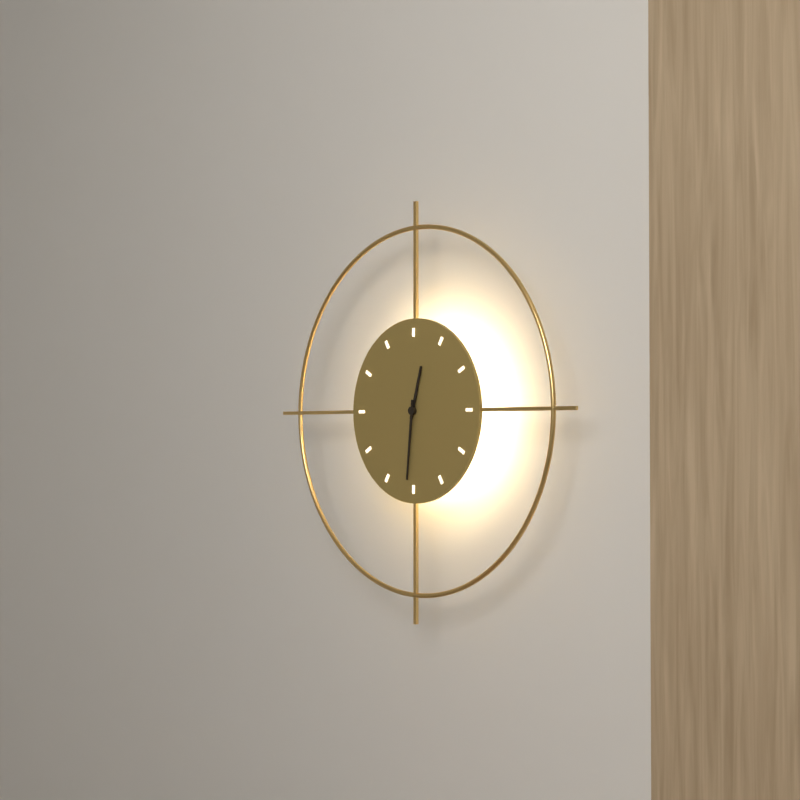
12 h 31 min
